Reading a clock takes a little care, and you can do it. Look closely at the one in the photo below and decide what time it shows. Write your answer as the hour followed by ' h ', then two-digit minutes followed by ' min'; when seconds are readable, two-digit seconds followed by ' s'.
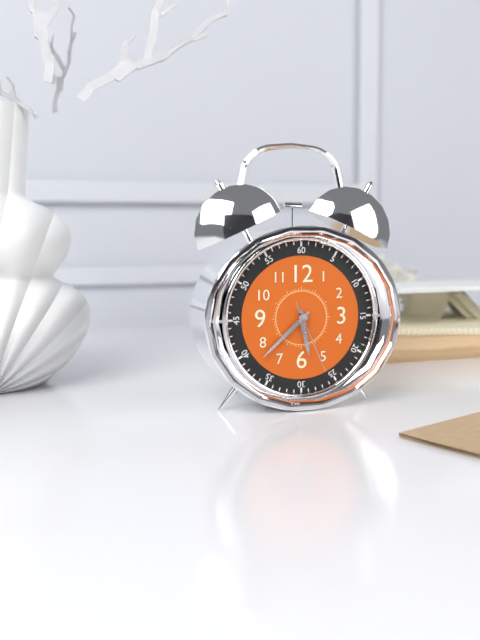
5 h 38 min 26 s
